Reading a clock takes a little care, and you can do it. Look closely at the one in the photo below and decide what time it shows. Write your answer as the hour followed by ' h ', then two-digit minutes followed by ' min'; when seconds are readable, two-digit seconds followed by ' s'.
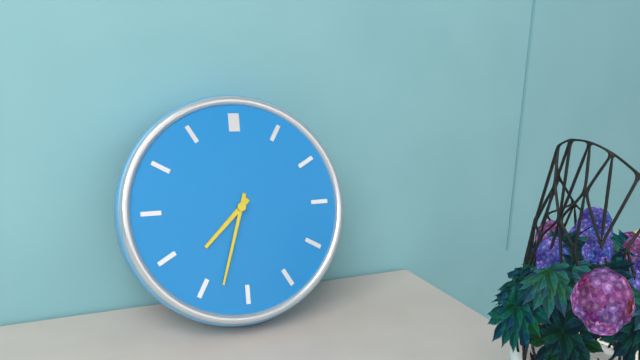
7 h 33 min
